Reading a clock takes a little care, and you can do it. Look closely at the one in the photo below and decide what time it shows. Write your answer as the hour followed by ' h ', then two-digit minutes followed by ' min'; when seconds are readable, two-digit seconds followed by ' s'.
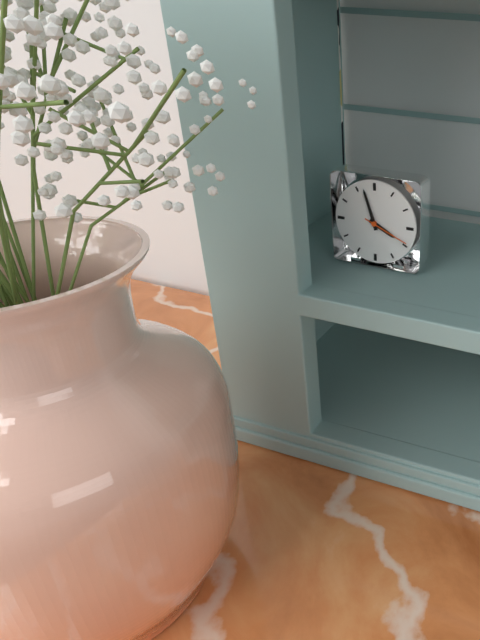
3 h 57 min
